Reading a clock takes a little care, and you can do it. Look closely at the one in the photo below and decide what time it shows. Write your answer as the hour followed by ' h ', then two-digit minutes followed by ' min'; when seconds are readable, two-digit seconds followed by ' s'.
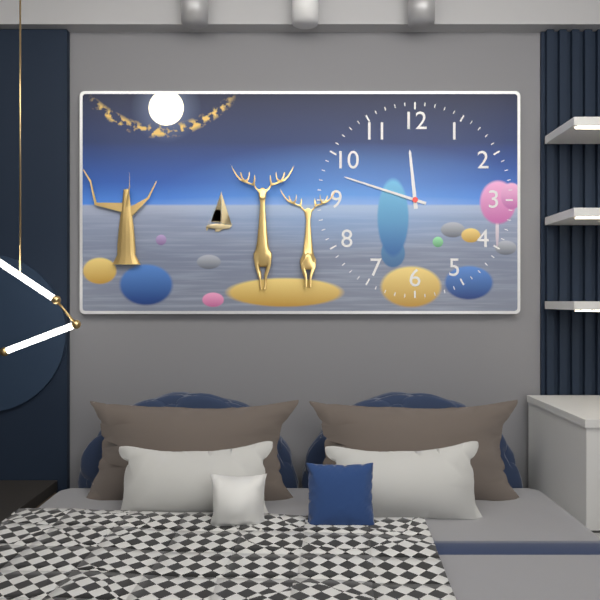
11 h 48 min
